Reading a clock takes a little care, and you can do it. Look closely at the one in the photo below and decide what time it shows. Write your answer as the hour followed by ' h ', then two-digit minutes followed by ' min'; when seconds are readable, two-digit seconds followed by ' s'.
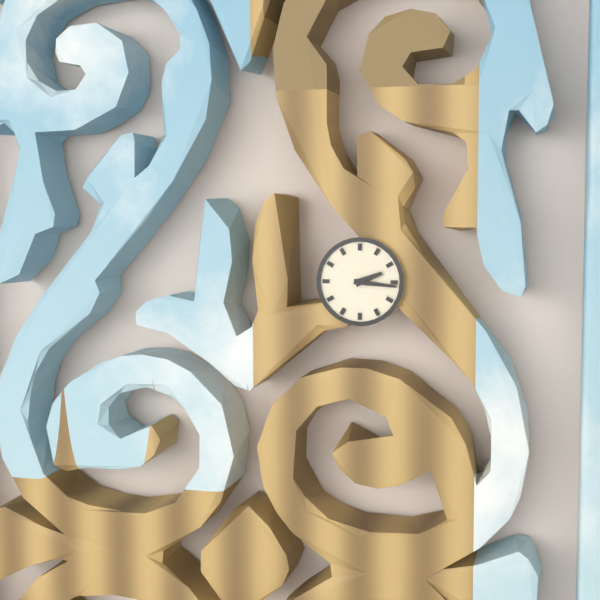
2 h 16 min
